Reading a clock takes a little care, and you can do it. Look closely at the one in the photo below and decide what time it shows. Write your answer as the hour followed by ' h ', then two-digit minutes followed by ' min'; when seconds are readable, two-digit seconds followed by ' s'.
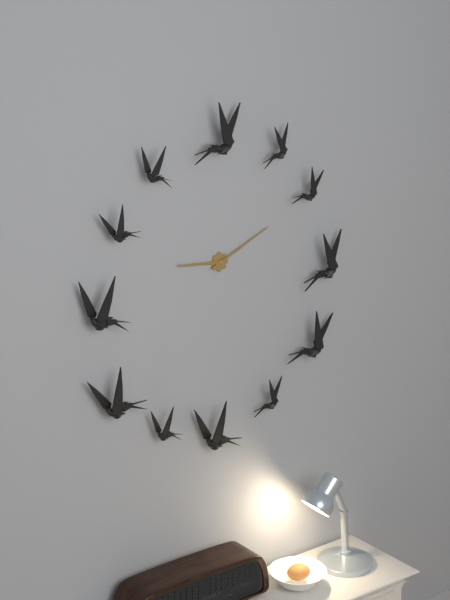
9 h 11 min
